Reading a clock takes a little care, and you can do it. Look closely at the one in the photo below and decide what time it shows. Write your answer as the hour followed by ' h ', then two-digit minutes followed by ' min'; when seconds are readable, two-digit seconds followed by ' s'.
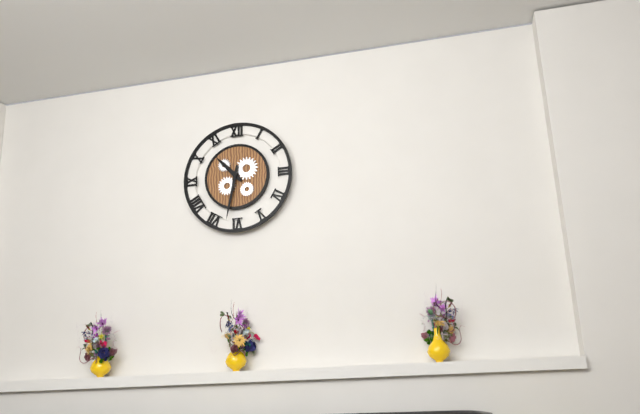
10 h 32 min
